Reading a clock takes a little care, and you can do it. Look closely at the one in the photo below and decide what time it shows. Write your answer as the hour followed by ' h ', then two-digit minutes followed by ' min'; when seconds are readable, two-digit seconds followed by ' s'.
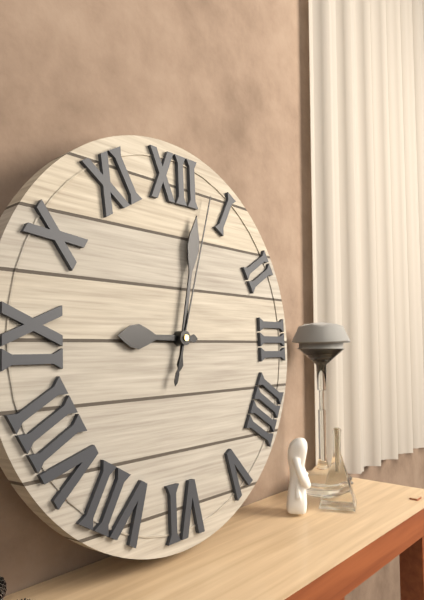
9 h 02 min 03 s
